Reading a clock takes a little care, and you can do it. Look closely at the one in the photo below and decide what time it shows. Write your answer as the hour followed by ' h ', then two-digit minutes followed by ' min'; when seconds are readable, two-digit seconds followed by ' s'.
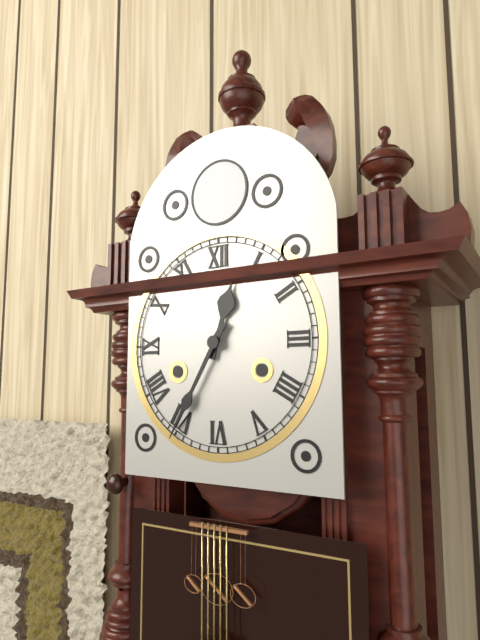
12 h 35 min
